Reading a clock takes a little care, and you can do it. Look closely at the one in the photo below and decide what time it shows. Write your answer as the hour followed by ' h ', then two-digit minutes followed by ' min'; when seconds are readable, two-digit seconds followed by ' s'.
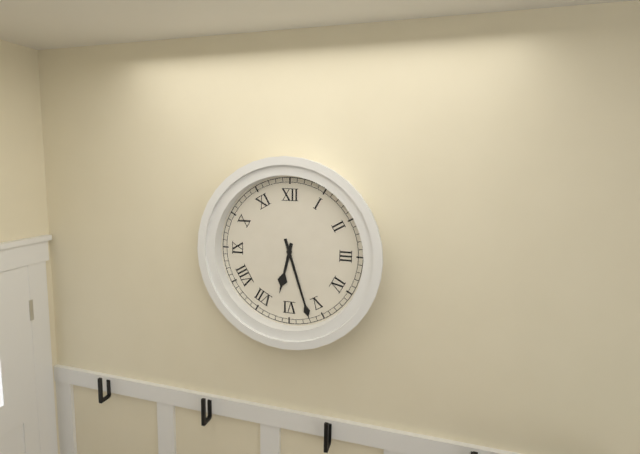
6 h 27 min
